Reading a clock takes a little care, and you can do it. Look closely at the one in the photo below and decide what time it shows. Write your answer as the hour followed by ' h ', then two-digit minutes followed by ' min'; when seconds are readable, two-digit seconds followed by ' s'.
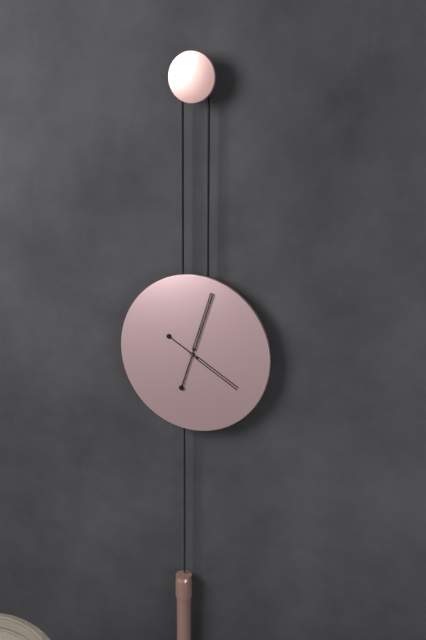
4 h 03 min
